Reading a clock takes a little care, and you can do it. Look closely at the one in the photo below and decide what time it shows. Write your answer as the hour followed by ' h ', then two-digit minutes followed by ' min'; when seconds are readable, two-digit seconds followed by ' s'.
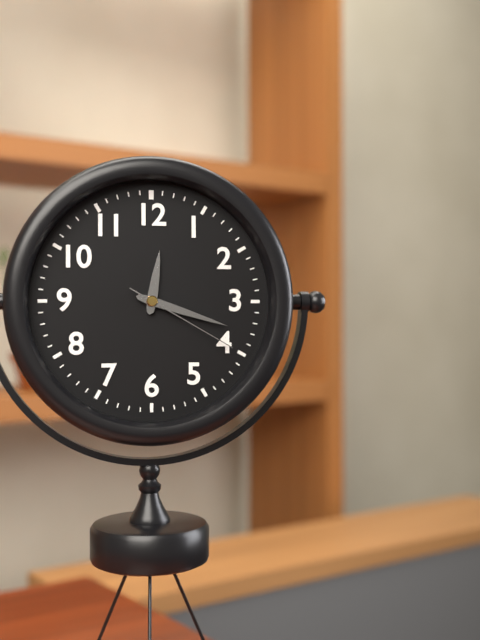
12 h 18 min 20 s
